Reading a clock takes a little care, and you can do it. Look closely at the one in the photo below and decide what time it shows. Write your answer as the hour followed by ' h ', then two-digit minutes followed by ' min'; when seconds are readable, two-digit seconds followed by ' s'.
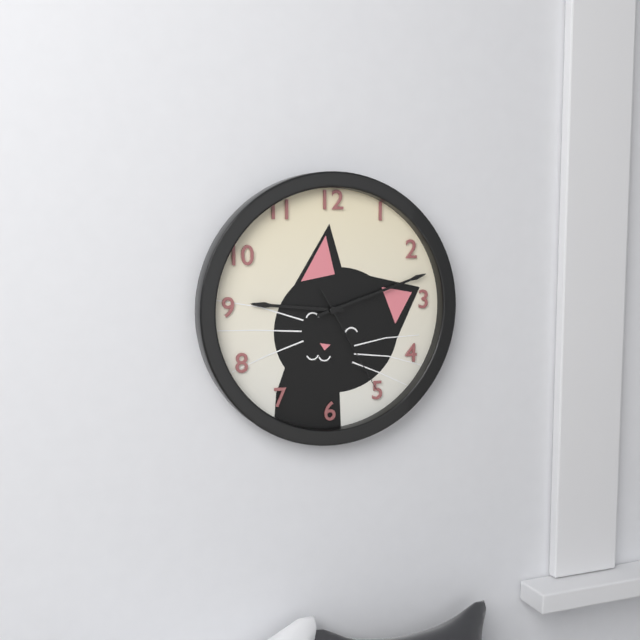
9 h 12 min 25 s
